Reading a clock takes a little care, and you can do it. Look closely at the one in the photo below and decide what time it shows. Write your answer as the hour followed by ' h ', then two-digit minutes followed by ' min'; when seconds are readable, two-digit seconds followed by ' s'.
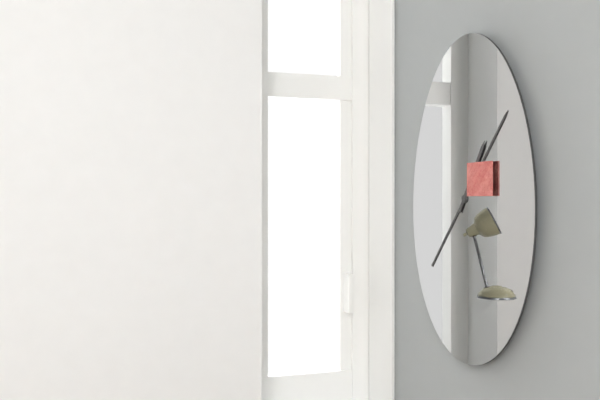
1 h 07 min
